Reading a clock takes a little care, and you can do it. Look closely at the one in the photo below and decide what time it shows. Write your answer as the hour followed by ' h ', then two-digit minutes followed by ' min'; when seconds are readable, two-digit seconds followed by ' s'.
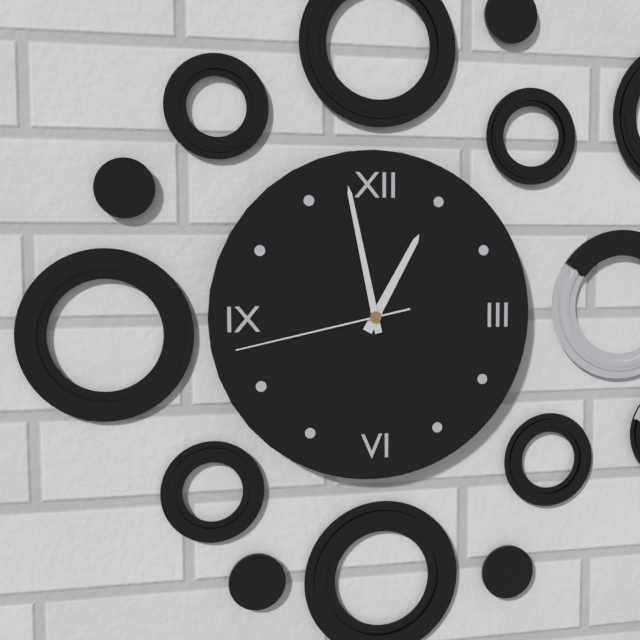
12 h 58 min 43 s
